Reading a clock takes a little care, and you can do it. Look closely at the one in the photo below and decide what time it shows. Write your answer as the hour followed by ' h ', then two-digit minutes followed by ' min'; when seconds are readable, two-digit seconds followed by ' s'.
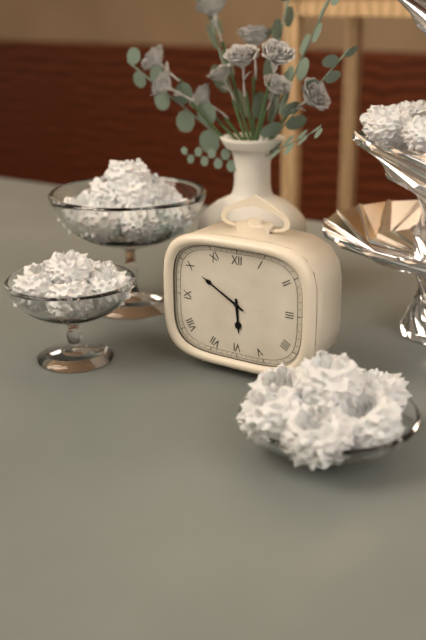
5 h 50 min
